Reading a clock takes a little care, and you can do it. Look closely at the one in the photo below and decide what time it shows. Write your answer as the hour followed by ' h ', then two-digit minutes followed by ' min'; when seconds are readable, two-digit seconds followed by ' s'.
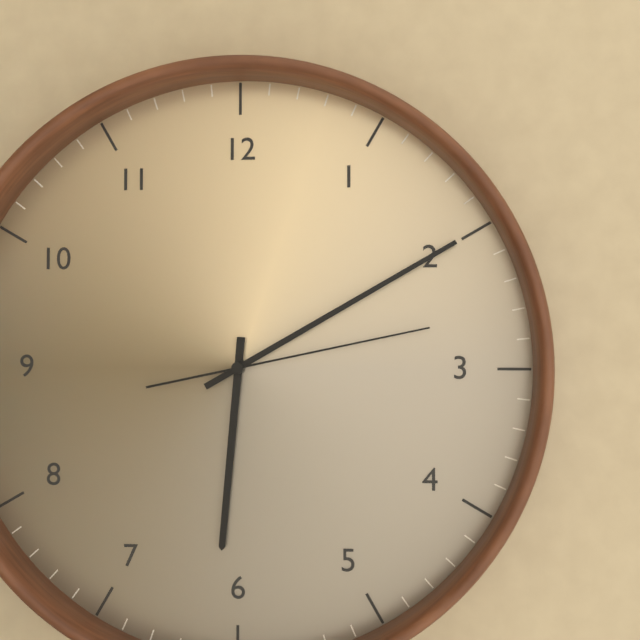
6 h 10 min 13 s
